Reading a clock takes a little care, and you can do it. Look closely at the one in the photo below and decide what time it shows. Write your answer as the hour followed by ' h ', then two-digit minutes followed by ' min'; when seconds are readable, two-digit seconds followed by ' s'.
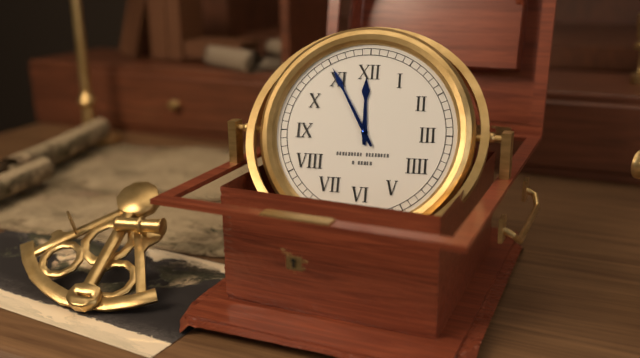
11 h 55 min
